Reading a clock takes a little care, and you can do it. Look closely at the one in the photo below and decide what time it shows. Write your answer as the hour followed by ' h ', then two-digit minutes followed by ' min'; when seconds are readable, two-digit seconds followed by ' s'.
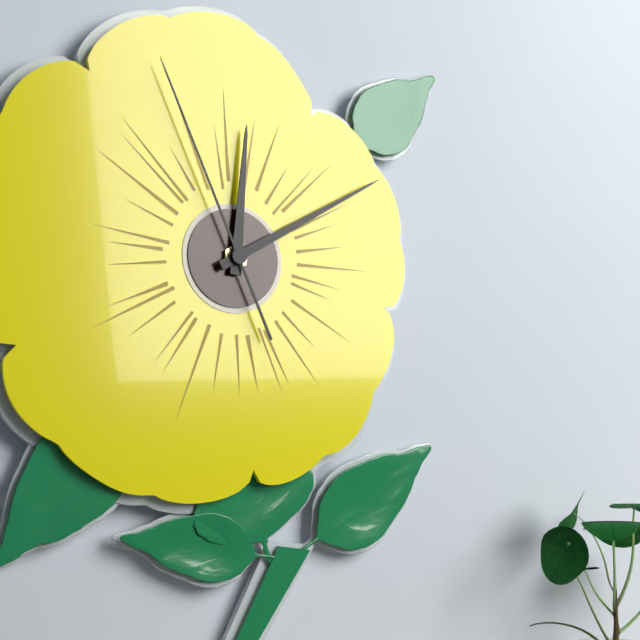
12 h 10 min 56 s
